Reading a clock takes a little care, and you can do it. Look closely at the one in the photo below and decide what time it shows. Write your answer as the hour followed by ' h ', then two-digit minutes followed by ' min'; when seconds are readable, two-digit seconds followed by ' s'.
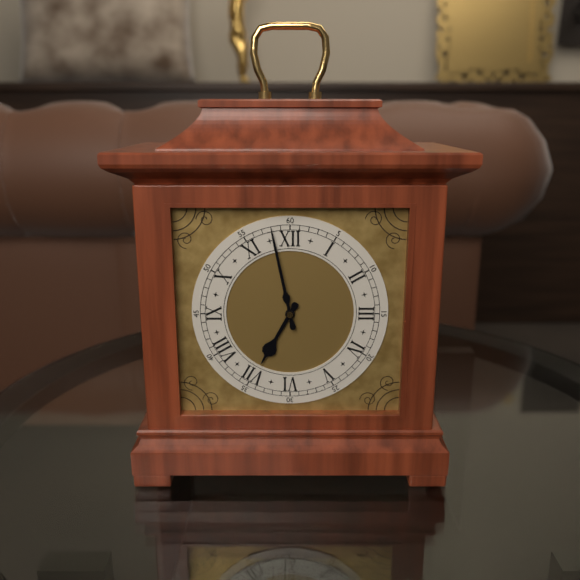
6 h 58 min
